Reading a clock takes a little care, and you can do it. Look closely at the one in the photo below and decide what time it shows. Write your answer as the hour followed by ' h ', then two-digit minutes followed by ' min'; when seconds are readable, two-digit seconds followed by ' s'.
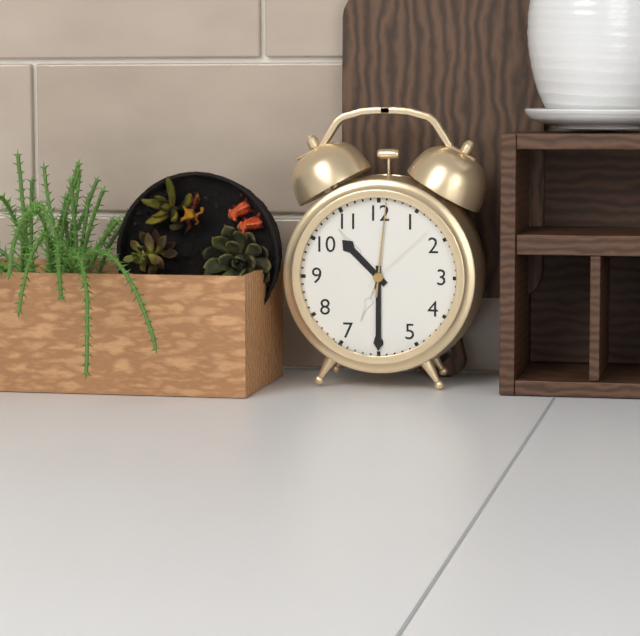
10 h 30 min 01 s
